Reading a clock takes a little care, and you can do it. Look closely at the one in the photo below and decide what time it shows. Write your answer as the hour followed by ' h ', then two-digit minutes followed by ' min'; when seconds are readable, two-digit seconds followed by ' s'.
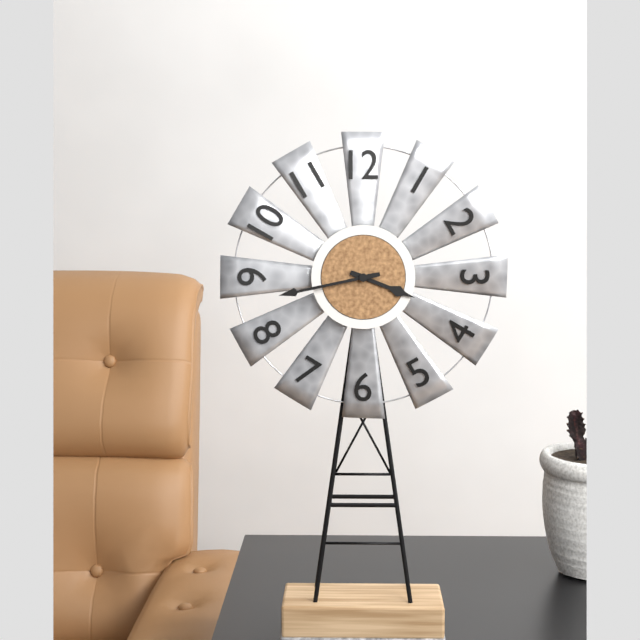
3 h 43 min
